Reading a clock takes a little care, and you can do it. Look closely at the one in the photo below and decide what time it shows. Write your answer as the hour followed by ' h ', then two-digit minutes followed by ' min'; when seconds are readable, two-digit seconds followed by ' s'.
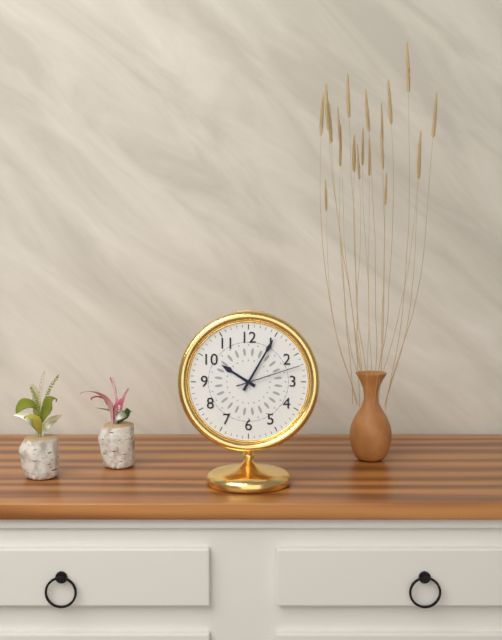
10 h 05 min 12 s
